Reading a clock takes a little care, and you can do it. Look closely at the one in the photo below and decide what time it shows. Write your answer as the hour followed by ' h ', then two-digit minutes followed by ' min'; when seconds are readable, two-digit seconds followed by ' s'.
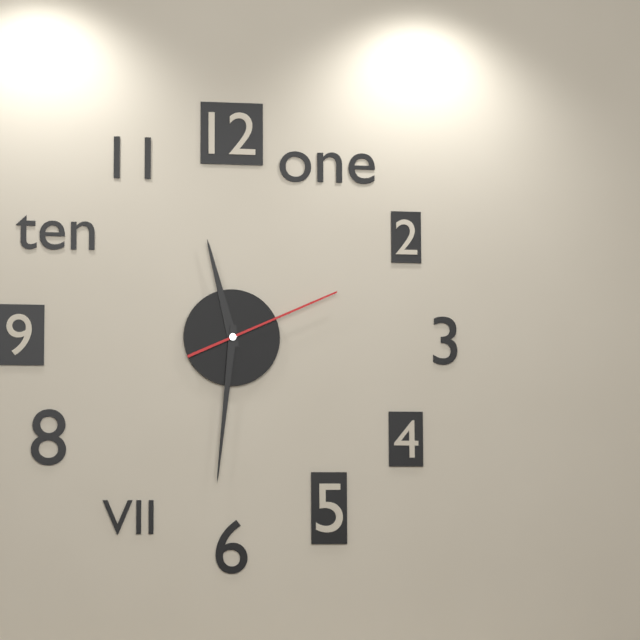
11 h 31 min 11 s
